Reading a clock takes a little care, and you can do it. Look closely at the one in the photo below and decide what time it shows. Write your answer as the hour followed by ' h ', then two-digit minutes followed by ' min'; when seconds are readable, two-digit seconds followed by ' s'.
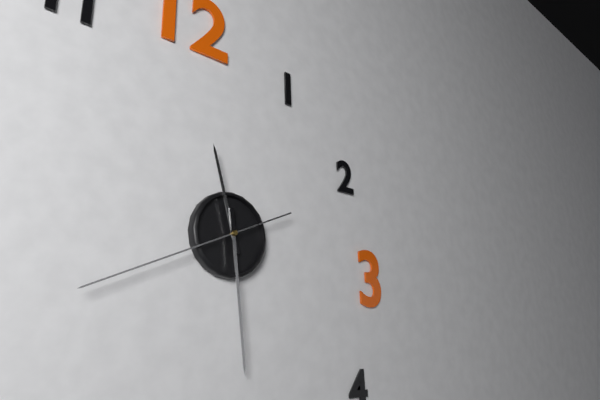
11 h 29 min 41 s
